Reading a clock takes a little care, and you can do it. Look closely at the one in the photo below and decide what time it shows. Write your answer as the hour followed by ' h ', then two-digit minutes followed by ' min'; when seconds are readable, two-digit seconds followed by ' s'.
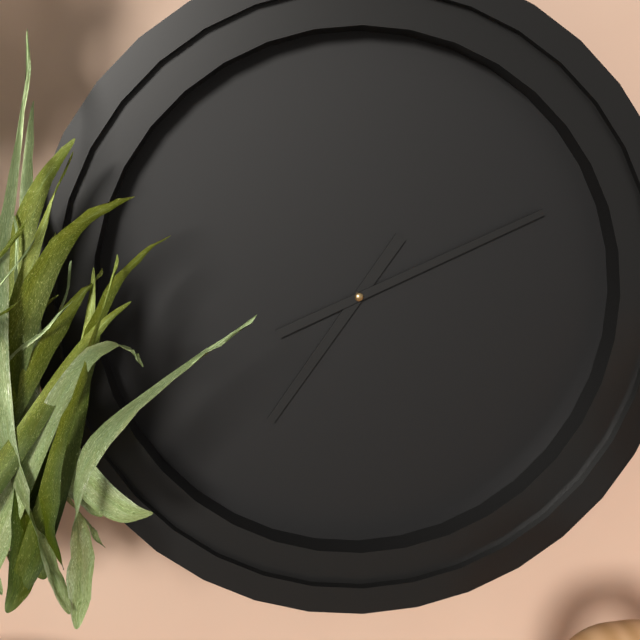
7 h 11 min
